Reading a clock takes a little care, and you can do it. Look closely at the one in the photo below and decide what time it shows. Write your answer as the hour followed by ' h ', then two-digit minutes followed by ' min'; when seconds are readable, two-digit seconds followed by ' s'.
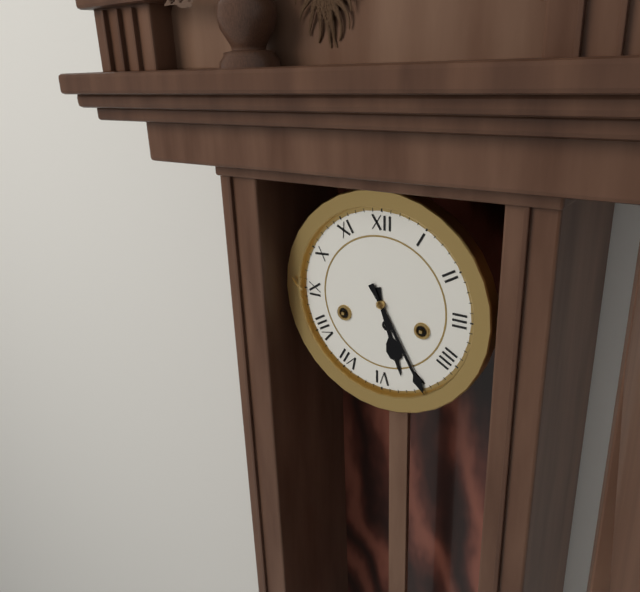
5 h 25 min
